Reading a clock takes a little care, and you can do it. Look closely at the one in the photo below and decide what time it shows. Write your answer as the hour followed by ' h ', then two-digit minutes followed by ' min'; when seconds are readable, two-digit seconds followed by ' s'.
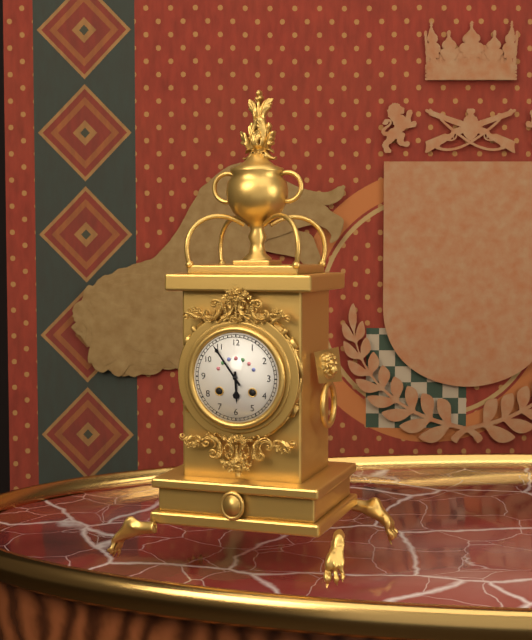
5 h 54 min
